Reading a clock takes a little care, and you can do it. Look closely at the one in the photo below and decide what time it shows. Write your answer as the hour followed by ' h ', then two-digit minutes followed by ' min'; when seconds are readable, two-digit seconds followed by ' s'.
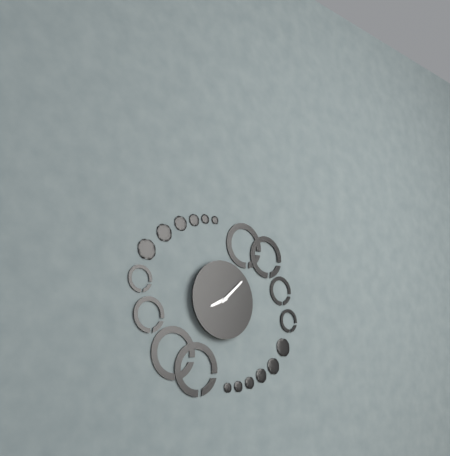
8 h 08 min
